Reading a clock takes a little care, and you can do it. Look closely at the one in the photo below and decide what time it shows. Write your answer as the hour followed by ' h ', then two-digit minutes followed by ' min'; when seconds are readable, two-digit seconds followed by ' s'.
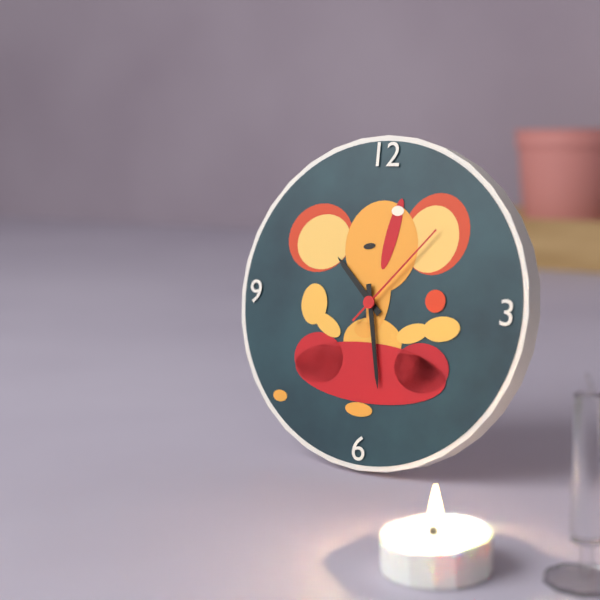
10 h 28 min 07 s
